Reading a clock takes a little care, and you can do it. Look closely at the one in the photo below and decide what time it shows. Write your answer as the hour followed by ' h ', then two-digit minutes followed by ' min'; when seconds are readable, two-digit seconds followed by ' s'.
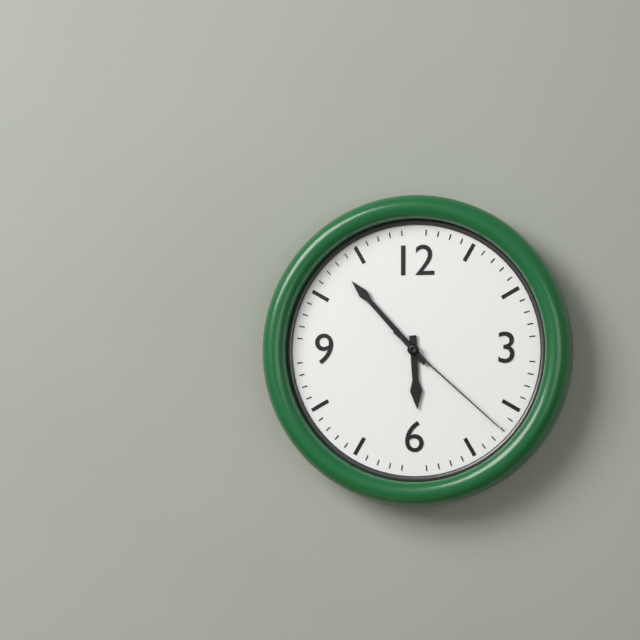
5 h 53 min 22 s
